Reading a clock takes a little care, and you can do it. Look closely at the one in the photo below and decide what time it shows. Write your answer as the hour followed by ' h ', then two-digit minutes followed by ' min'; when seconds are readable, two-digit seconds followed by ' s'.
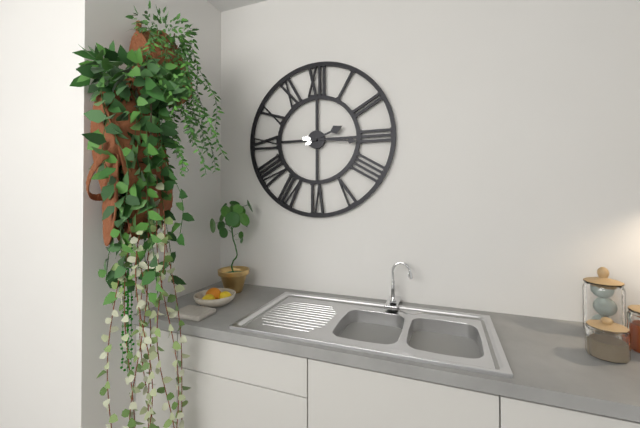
2 h 16 min
